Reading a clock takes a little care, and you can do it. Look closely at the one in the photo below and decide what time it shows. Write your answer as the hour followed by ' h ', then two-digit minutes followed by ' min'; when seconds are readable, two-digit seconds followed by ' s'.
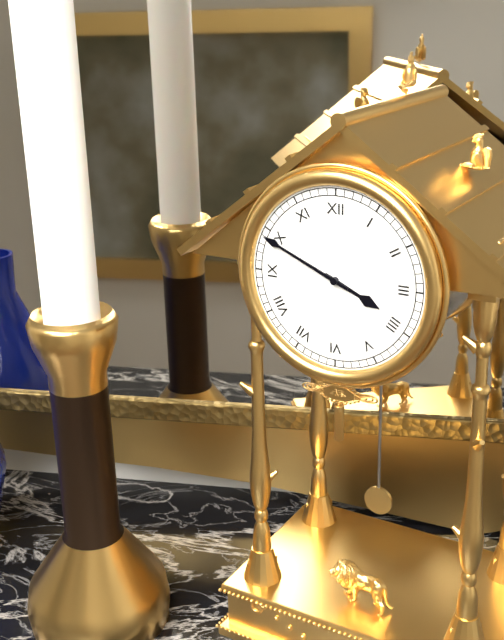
3 h 49 min
